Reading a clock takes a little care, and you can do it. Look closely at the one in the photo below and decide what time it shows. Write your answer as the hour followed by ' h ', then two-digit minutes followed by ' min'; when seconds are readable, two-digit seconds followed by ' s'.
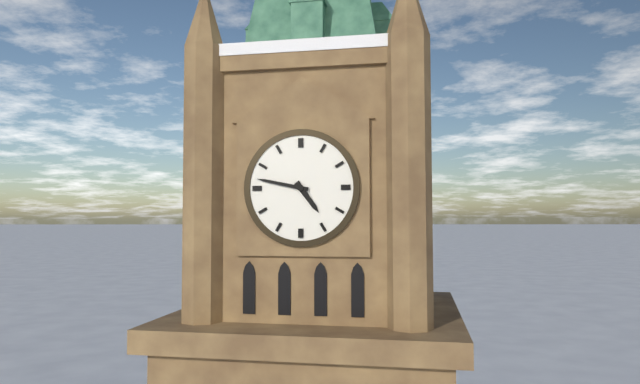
4 h 47 min
